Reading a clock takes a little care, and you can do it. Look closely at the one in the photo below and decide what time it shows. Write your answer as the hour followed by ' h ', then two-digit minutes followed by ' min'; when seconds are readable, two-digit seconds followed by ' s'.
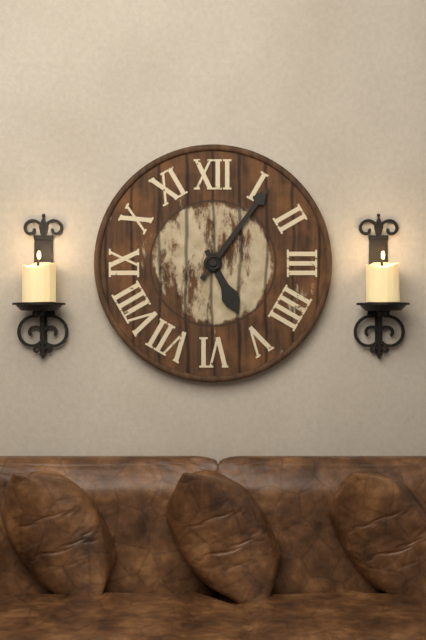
5 h 06 min
